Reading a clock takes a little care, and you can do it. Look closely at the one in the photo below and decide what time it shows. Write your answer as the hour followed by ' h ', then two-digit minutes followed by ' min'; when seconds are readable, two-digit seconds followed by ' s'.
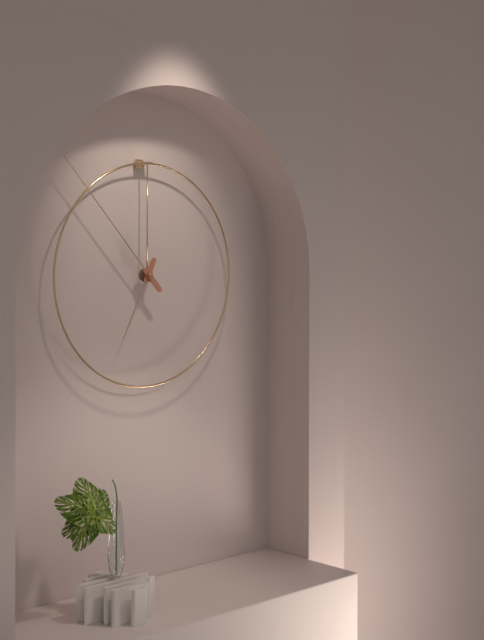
6 h 53 min
